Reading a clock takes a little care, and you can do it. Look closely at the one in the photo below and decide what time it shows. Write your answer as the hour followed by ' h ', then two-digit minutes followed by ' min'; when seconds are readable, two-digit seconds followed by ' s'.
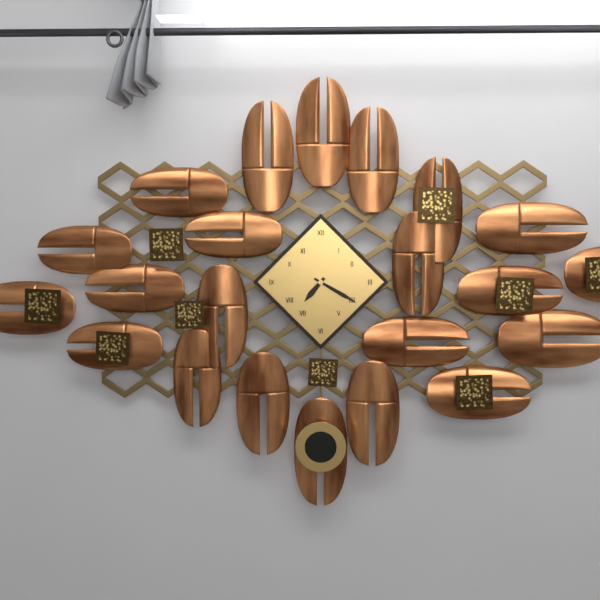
7 h 20 min
